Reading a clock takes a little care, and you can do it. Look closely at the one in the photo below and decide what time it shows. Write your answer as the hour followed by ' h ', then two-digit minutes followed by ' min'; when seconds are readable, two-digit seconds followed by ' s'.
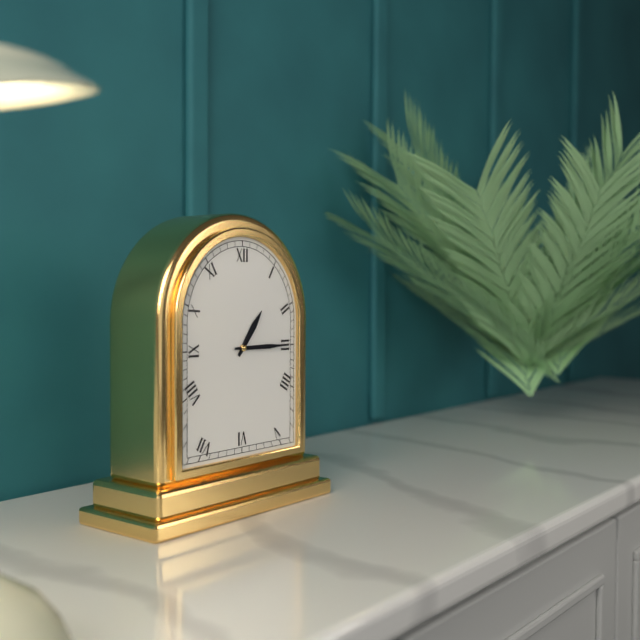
1 h 15 min
